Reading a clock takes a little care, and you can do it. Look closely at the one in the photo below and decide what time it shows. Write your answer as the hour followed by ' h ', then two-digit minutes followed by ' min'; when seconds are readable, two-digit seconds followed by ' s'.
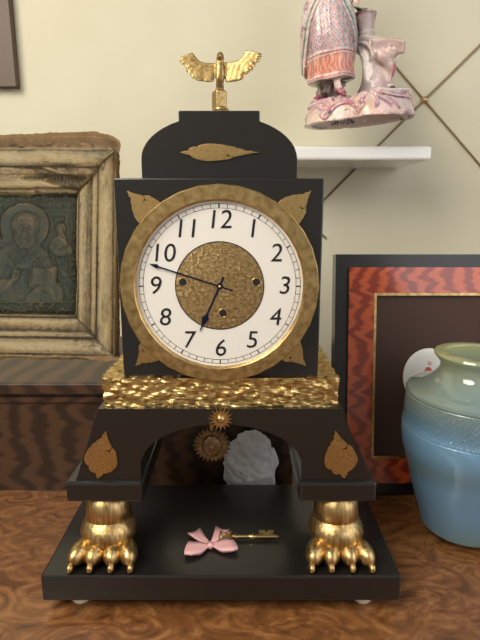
6 h 48 min
